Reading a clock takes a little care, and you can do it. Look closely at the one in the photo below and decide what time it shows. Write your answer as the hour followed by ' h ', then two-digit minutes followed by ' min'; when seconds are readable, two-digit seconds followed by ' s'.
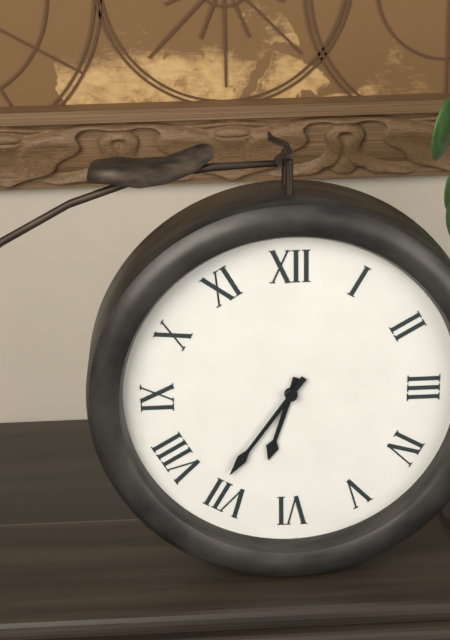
6 h 36 min
